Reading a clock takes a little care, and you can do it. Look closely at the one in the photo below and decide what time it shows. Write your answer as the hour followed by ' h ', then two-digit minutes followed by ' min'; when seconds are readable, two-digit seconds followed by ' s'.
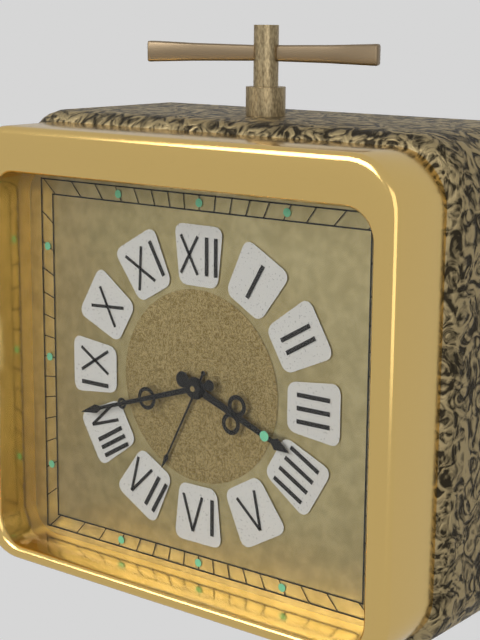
3 h 42 min
